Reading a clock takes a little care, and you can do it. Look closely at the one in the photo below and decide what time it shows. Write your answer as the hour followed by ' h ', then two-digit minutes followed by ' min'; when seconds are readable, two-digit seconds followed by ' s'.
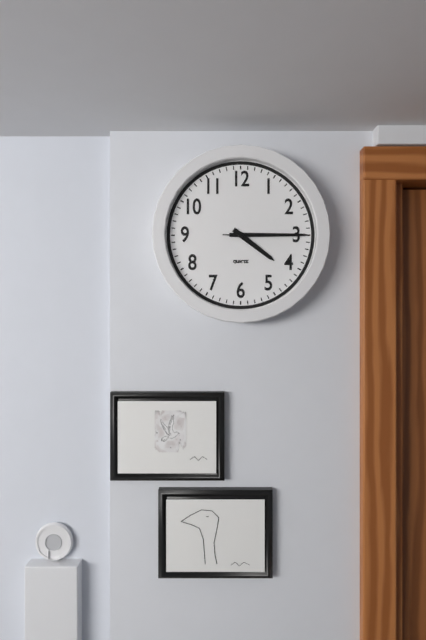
4 h 15 min 15 s
